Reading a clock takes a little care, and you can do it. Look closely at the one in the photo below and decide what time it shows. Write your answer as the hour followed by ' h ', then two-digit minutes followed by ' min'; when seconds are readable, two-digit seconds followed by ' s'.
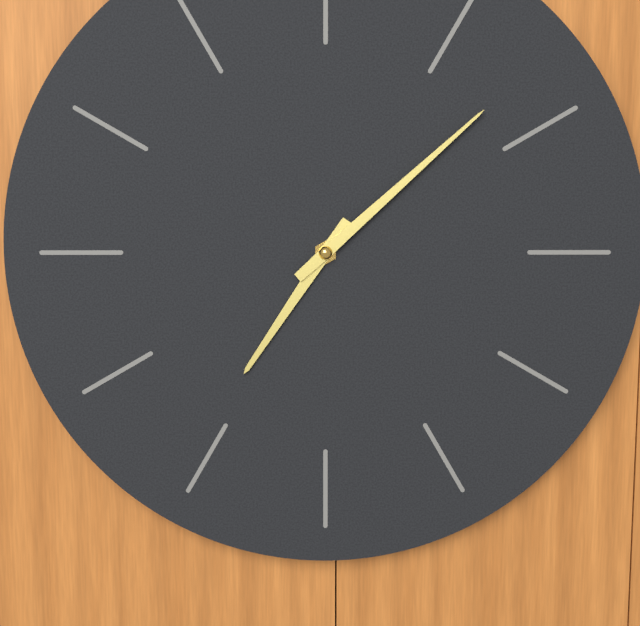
7 h 08 min
